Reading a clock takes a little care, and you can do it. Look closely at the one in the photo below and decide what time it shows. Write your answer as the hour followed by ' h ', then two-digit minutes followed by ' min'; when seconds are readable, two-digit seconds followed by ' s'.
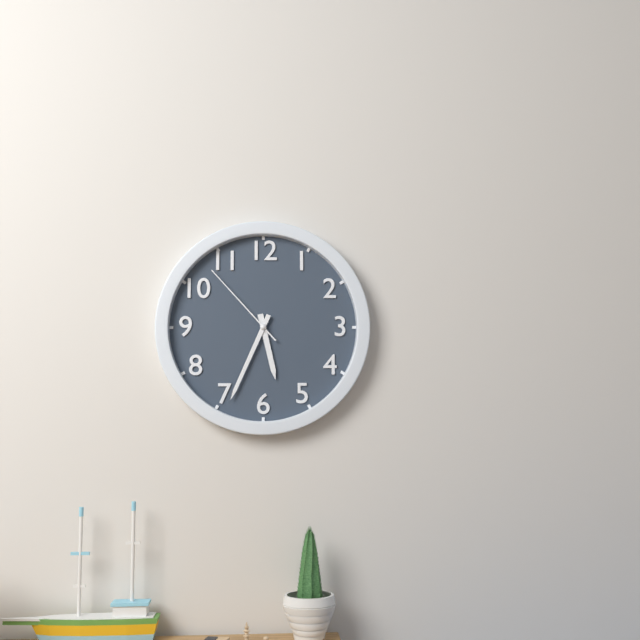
5 h 34 min 53 s
